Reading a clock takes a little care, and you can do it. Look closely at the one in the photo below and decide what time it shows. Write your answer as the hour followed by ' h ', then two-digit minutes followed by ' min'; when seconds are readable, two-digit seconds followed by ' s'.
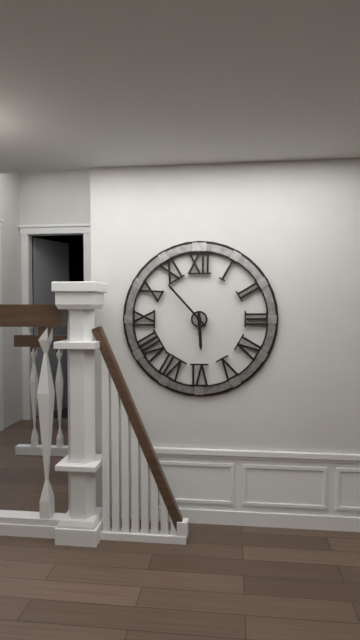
5 h 53 min
